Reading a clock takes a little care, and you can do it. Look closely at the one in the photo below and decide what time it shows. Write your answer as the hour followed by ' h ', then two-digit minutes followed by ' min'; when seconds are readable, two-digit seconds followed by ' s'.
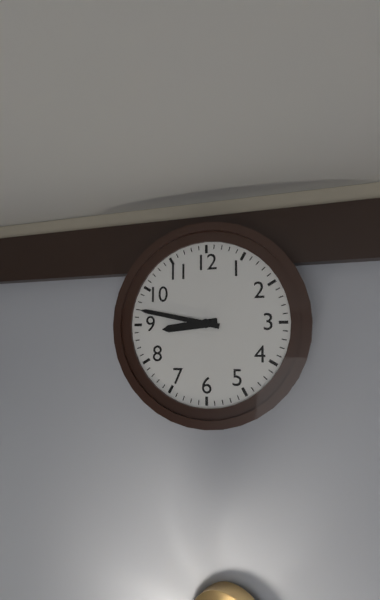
8 h 47 min
